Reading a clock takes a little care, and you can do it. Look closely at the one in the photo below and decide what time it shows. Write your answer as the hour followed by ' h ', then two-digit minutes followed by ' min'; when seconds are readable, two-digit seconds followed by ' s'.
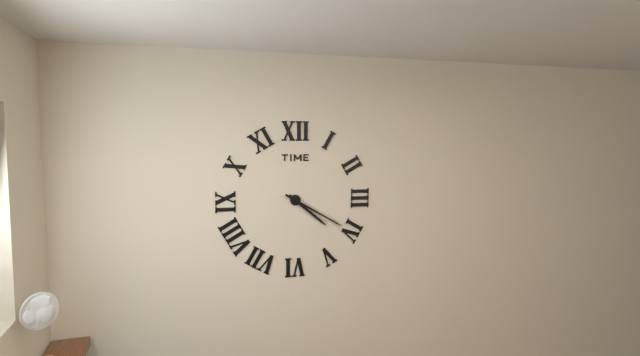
4 h 20 min
